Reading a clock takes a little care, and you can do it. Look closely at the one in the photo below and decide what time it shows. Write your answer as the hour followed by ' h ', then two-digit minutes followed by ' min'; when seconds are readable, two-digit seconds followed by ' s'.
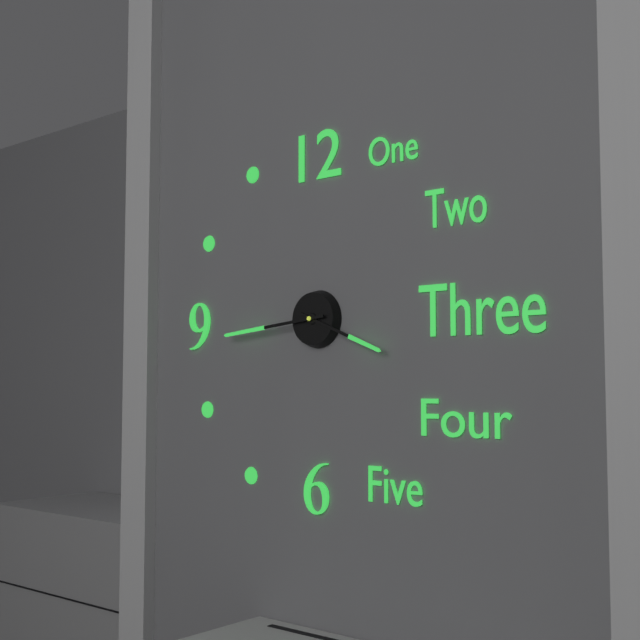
3 h 44 min
